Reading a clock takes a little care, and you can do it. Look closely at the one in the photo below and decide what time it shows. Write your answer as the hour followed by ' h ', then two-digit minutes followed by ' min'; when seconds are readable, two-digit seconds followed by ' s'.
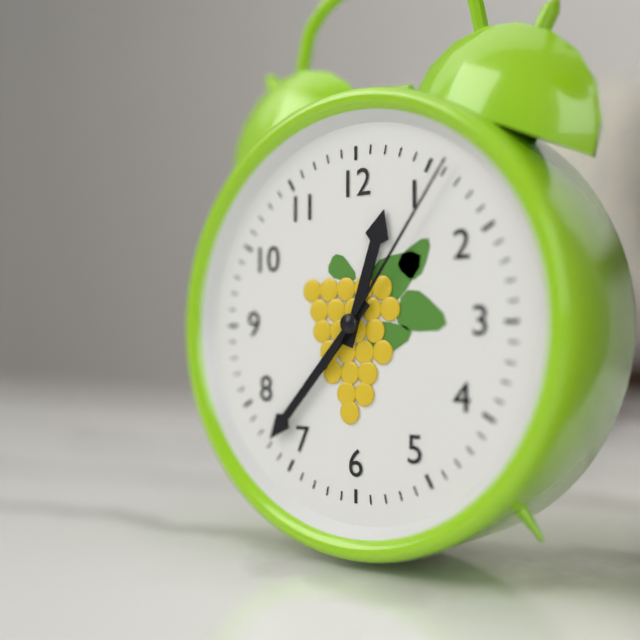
12 h 37 min 06 s
